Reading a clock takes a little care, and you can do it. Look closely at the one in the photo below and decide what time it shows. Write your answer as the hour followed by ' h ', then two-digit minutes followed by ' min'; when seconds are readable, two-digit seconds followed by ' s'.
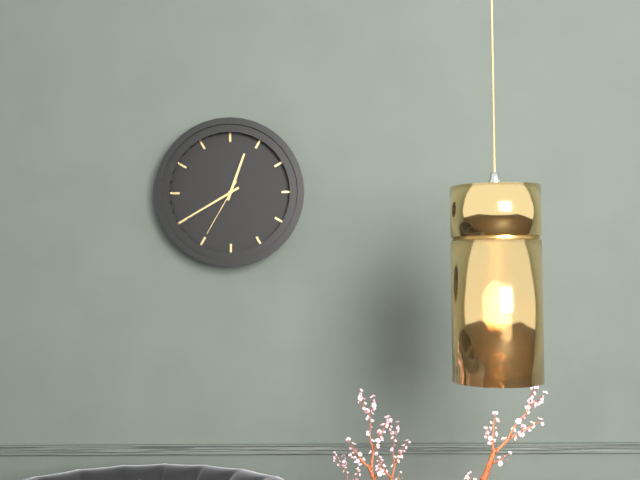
12 h 40 min 35 s
